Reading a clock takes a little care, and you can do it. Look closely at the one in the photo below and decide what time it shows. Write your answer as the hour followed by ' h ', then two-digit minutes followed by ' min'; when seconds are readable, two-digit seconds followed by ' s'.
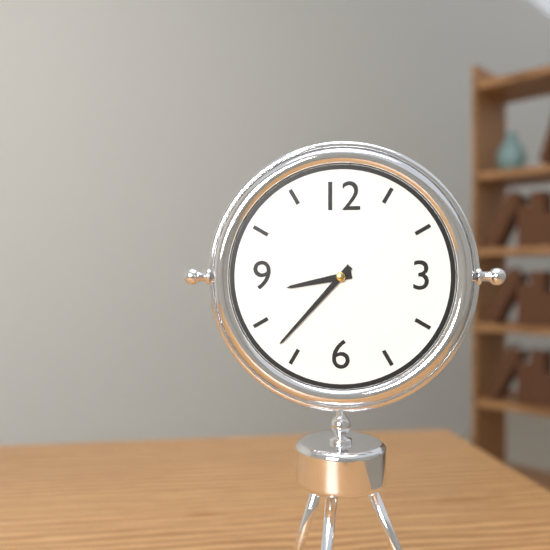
8 h 37 min
